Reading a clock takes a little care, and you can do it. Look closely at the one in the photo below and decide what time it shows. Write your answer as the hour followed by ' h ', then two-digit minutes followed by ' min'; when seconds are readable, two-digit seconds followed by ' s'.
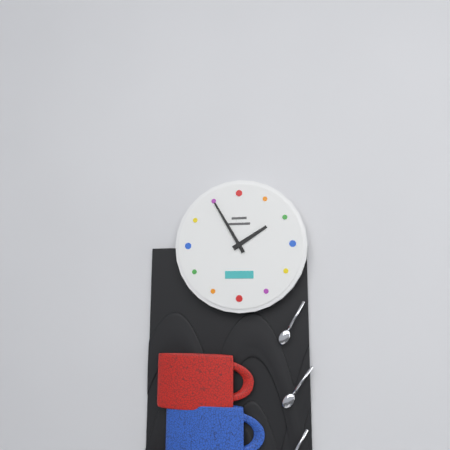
1 h 55 min
